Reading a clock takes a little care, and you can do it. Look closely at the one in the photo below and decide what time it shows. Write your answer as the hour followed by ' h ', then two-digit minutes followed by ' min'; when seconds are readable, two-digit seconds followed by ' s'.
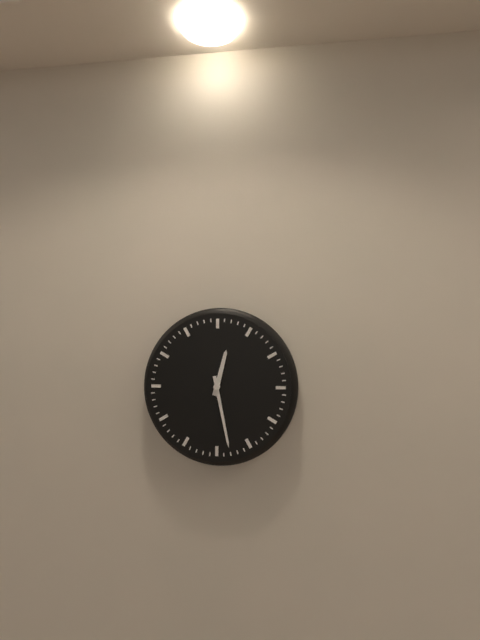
12 h 28 min
